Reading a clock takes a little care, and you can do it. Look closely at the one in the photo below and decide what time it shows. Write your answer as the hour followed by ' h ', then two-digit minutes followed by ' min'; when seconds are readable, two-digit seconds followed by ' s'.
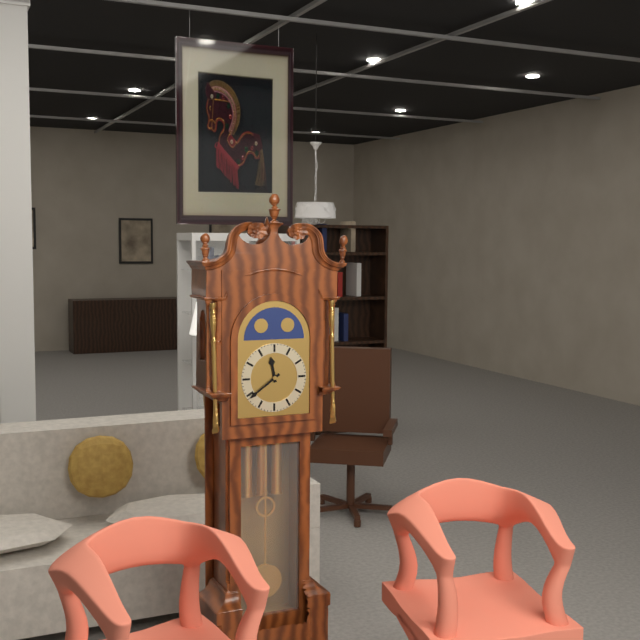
11 h 39 min
